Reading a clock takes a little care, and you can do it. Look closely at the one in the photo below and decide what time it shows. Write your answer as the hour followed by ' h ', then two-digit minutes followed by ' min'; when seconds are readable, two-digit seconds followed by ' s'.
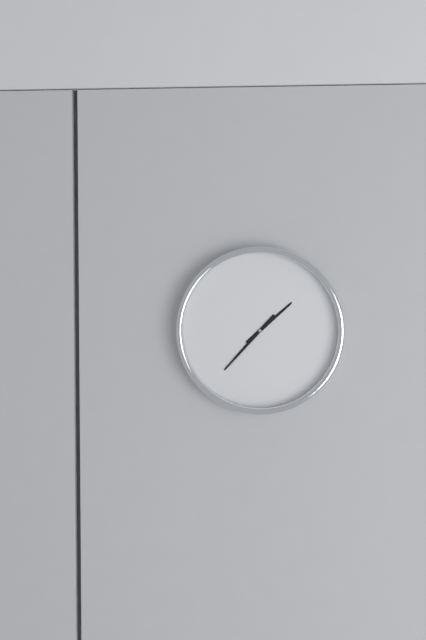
1 h 37 min
